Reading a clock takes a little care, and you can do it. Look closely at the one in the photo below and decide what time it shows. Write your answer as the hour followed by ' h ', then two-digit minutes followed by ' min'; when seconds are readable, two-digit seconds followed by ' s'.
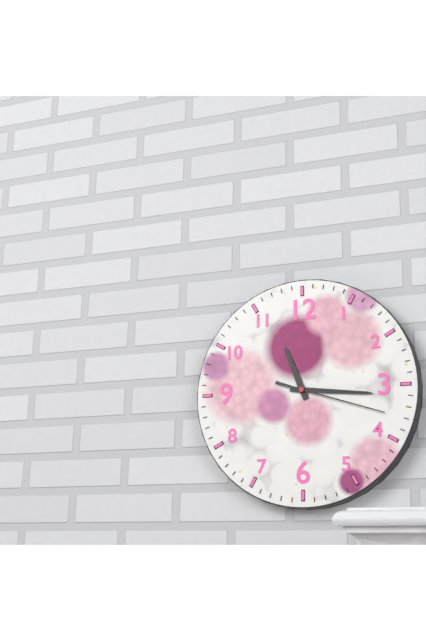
11 h 16 min 18 s
